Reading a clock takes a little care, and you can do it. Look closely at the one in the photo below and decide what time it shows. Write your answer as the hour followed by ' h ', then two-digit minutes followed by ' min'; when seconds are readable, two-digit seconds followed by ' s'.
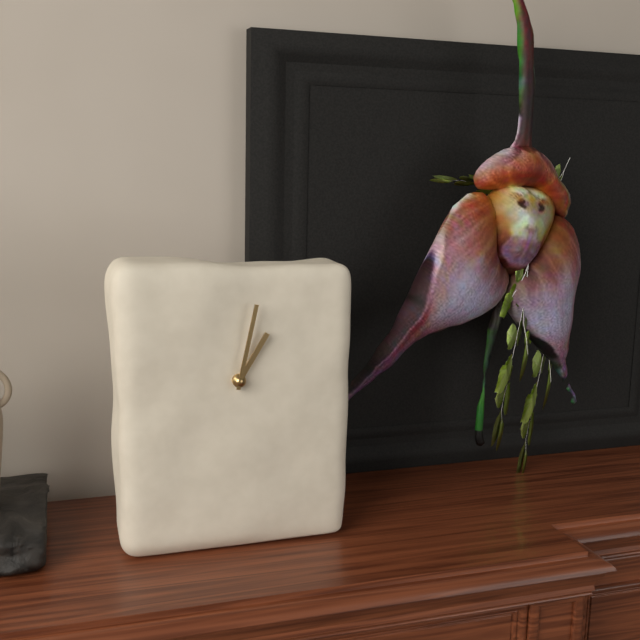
1 h 02 min
